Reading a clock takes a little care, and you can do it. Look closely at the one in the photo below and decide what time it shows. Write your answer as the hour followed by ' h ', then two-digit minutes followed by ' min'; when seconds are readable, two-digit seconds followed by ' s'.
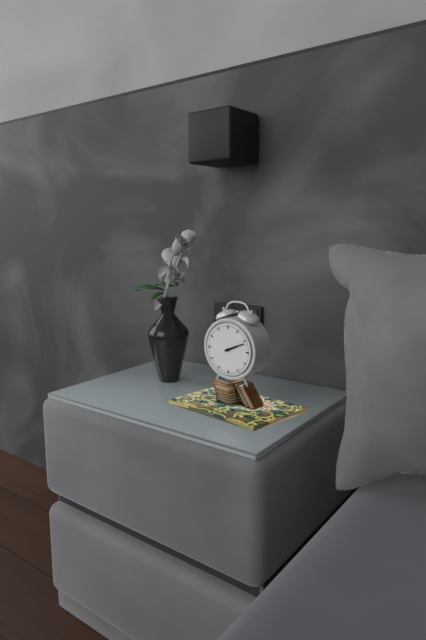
2 h 11 min
